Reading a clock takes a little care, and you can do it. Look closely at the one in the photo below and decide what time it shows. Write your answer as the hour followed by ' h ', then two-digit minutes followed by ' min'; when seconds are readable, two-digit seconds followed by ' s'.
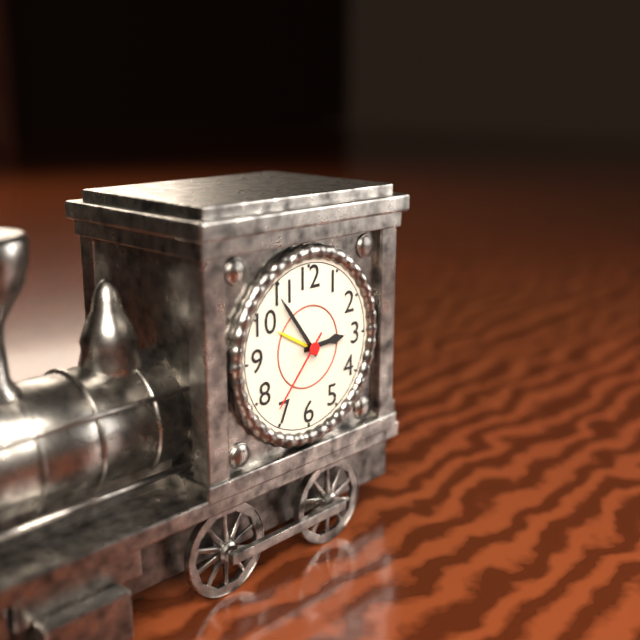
2 h 54 min 37 s
